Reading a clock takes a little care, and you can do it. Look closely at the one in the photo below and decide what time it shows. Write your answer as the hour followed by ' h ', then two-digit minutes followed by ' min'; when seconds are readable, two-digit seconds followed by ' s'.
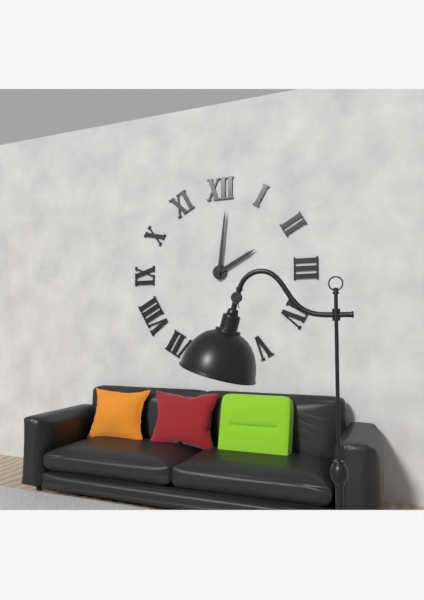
2 h 01 min
